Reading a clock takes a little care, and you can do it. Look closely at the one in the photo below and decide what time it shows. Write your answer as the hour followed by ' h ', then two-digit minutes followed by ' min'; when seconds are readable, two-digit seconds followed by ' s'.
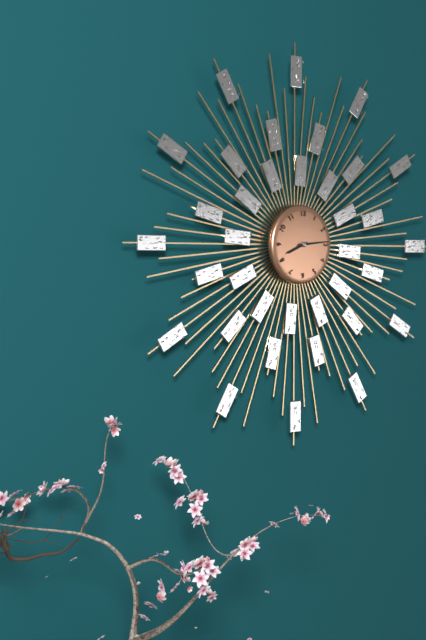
8 h 14 min
